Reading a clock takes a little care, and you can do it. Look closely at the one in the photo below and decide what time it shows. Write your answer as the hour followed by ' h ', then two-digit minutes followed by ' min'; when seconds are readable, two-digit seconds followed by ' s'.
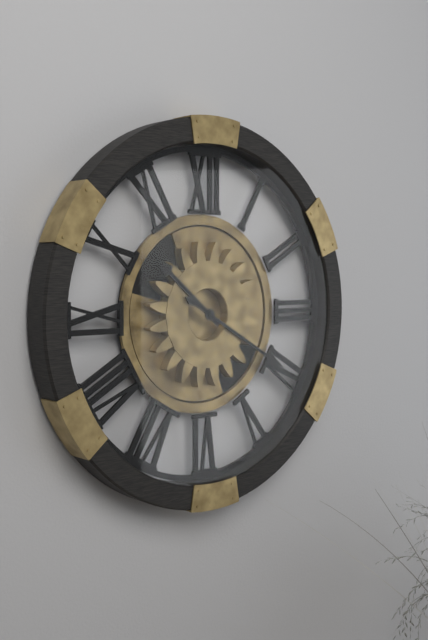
10 h 20 min
